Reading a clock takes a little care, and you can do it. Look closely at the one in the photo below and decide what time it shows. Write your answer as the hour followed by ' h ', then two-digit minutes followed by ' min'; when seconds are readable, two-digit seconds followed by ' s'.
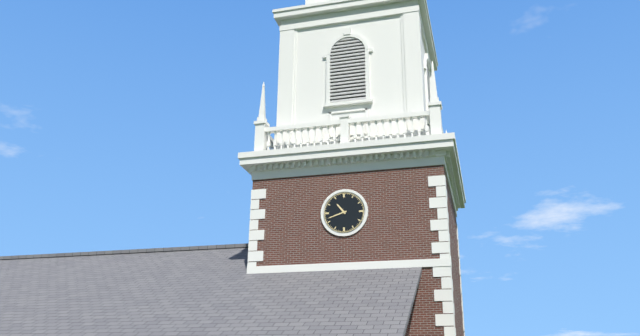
10 h 42 min
